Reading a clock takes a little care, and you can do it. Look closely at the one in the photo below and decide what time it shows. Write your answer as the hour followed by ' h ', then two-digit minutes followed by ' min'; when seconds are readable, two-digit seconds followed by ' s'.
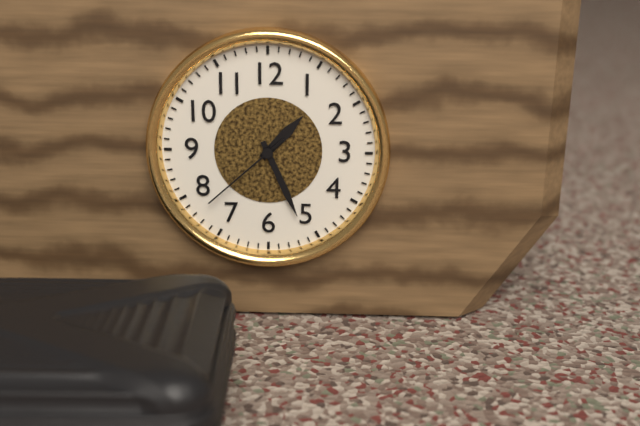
1 h 26 min 38 s
